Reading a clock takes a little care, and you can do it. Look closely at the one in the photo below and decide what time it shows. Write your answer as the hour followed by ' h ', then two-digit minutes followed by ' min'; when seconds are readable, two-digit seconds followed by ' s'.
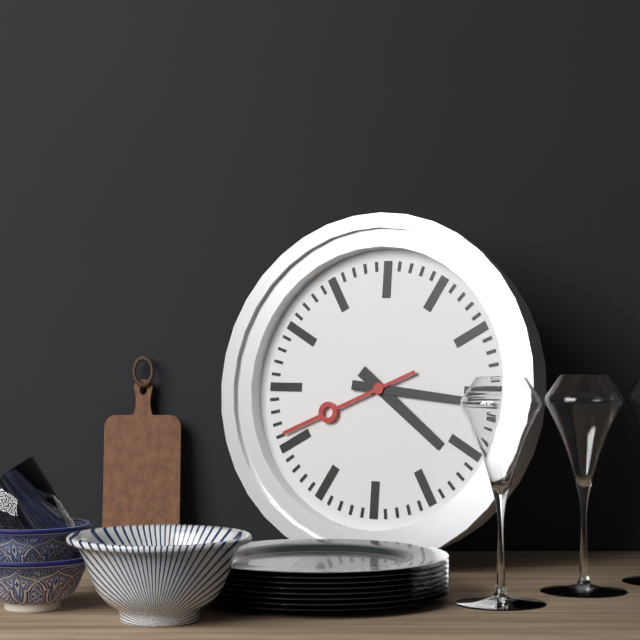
4 h 16 min 41 s
